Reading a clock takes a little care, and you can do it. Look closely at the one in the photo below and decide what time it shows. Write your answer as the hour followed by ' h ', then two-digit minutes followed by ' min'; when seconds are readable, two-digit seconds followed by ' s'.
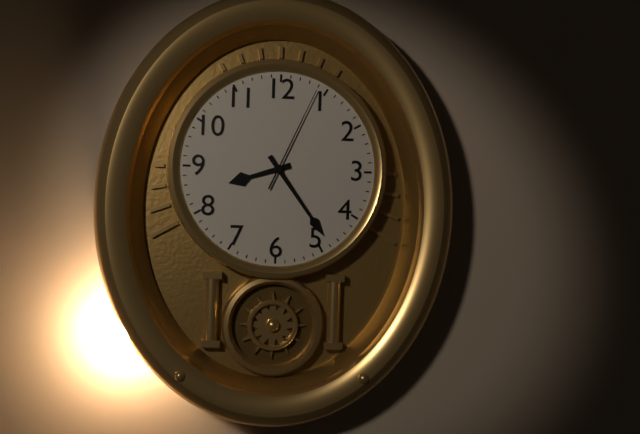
8 h 24 min 04 s
